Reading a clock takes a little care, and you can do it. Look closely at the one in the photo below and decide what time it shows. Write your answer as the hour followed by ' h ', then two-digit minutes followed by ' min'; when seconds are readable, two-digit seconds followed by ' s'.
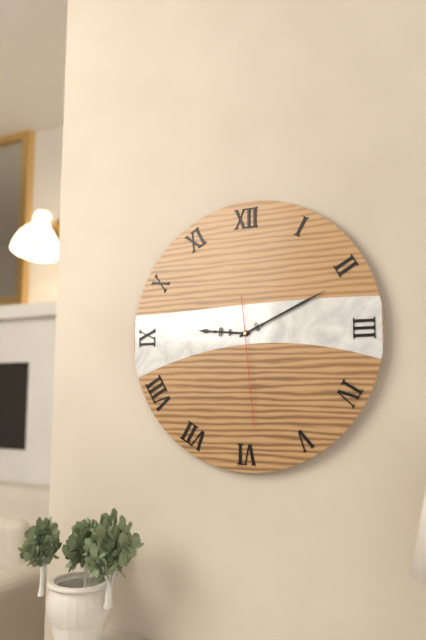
9 h 11 min 29 s
